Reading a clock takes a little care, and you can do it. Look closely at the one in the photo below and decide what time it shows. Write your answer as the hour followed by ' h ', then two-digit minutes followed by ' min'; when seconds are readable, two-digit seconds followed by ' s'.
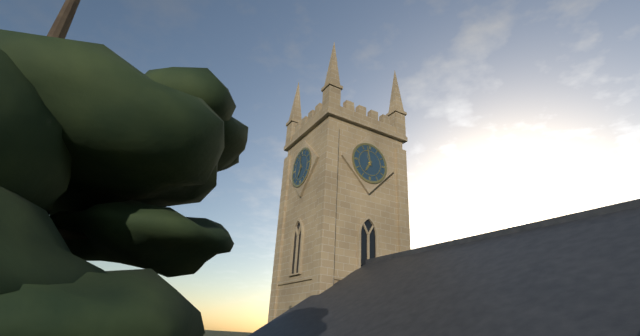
6 h 58 min
